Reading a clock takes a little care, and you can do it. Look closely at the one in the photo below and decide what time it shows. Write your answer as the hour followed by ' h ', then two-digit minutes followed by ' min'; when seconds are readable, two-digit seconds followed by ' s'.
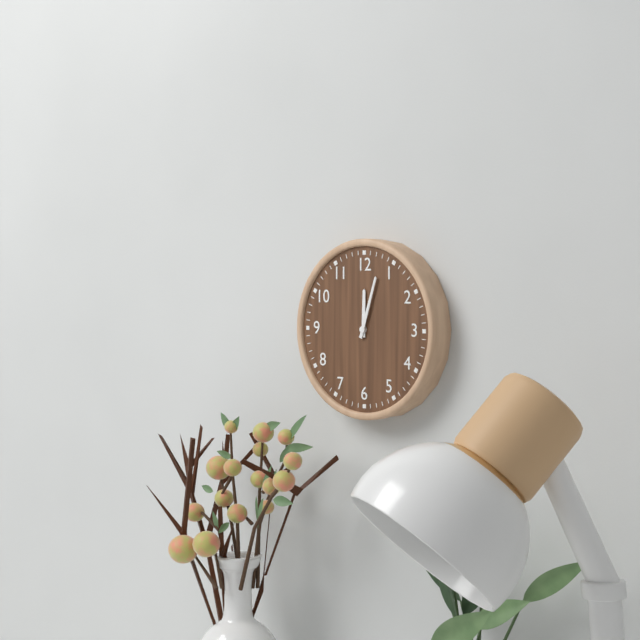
12 h 03 min
